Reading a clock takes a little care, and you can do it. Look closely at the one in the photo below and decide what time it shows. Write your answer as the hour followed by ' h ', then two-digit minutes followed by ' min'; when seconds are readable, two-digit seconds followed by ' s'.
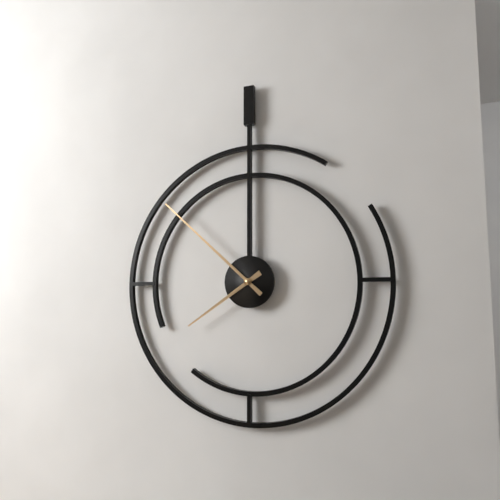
7 h 52 min
